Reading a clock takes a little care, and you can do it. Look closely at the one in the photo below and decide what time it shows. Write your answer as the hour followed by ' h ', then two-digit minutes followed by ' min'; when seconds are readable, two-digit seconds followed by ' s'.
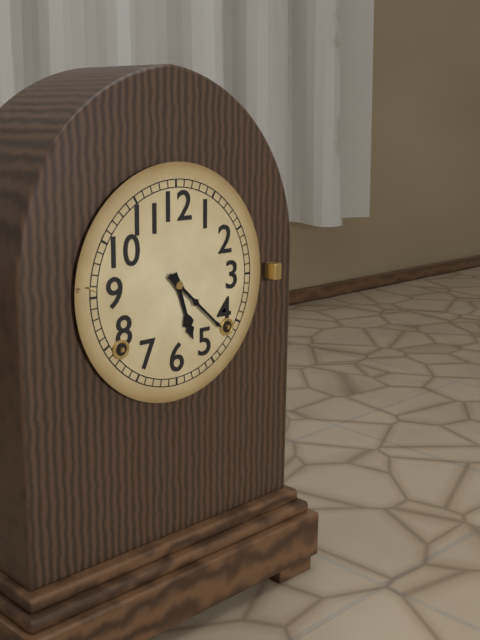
5 h 22 min
